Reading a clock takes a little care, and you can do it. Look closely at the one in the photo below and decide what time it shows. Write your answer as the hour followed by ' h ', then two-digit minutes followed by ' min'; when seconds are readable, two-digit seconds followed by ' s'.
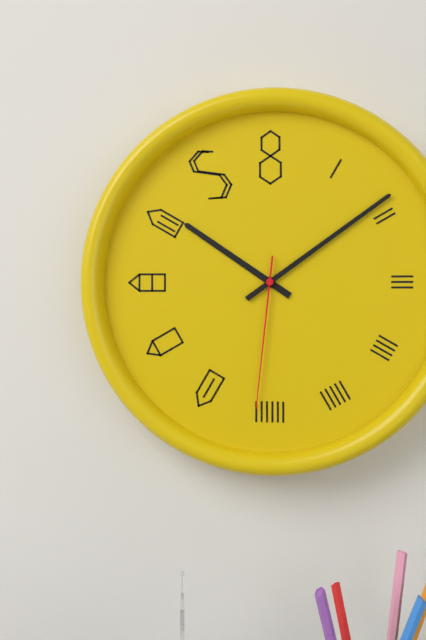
10 h 09 min 31 s
